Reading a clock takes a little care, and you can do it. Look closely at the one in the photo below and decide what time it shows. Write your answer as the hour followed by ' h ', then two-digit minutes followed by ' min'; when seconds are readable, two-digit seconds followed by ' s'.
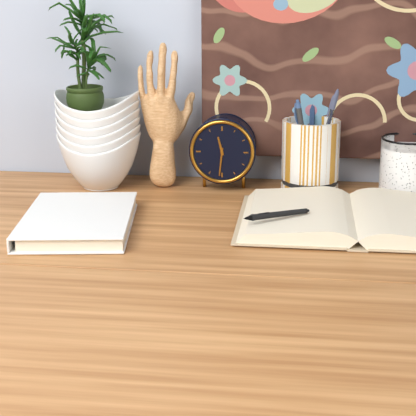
11 h 31 min
